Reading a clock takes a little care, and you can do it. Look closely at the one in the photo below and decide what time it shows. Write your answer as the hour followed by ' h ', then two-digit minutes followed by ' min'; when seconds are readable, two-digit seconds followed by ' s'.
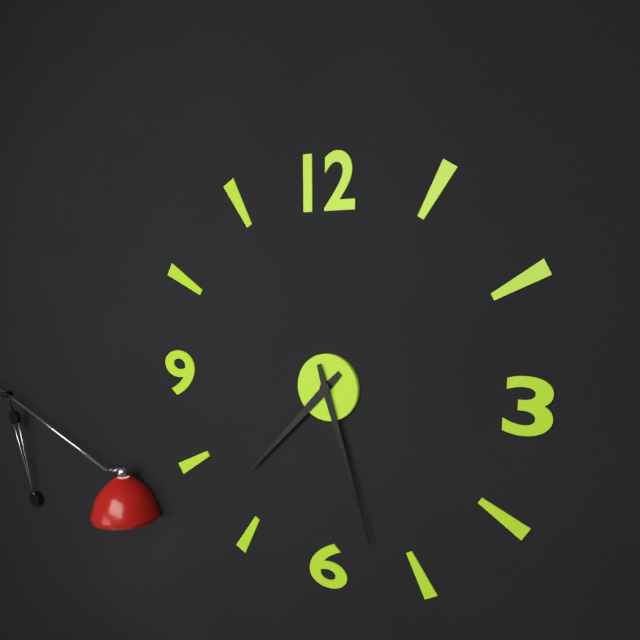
7 h 27 min
